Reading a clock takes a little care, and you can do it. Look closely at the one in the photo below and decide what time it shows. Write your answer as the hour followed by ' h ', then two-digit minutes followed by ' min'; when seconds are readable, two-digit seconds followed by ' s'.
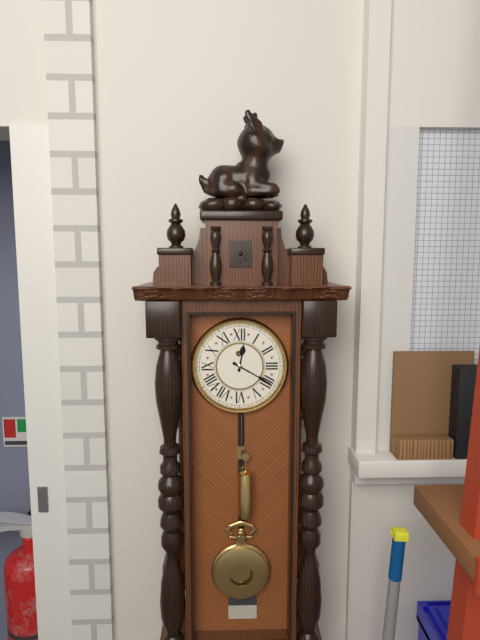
12 h 20 min
